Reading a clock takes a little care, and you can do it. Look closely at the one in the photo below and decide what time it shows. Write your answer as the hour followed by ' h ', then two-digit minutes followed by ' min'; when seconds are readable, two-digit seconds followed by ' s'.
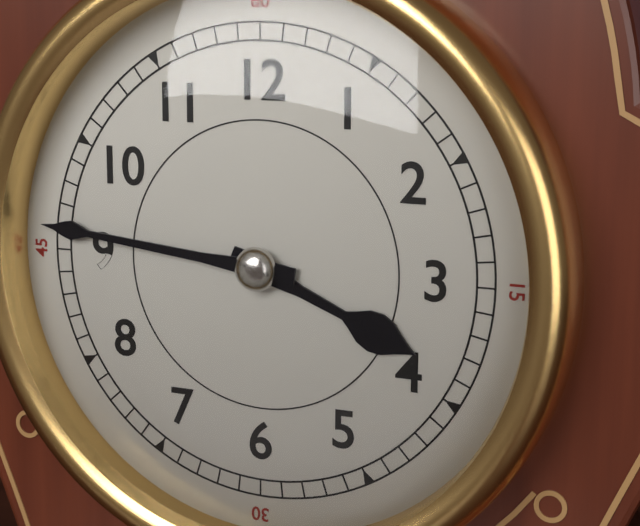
3 h 46 min
